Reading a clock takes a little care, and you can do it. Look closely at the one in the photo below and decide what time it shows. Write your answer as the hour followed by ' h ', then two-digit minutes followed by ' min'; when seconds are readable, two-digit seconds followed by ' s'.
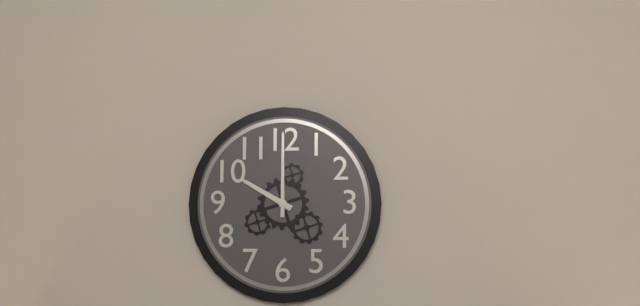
10 h 00 min
